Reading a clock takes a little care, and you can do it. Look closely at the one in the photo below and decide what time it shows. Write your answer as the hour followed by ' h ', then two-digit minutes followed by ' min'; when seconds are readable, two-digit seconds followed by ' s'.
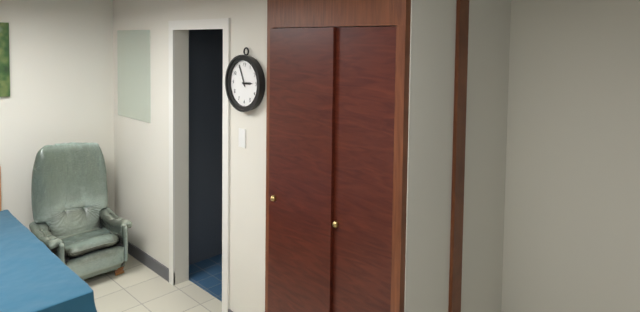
2 h 56 min
